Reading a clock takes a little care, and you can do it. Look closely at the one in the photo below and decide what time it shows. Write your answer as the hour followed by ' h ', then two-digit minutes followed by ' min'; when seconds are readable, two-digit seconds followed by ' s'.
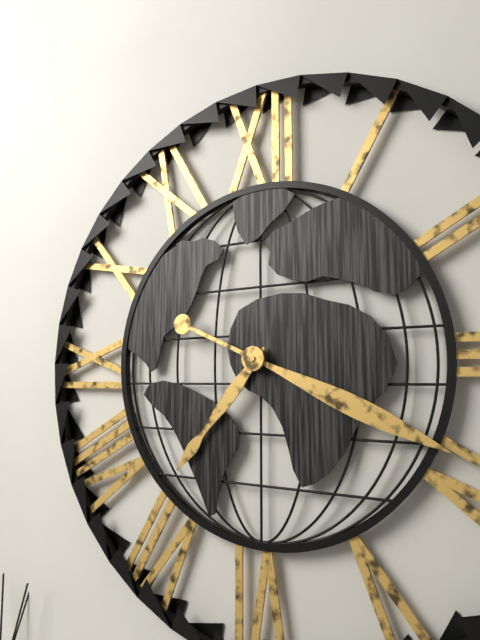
7 h 19 min
